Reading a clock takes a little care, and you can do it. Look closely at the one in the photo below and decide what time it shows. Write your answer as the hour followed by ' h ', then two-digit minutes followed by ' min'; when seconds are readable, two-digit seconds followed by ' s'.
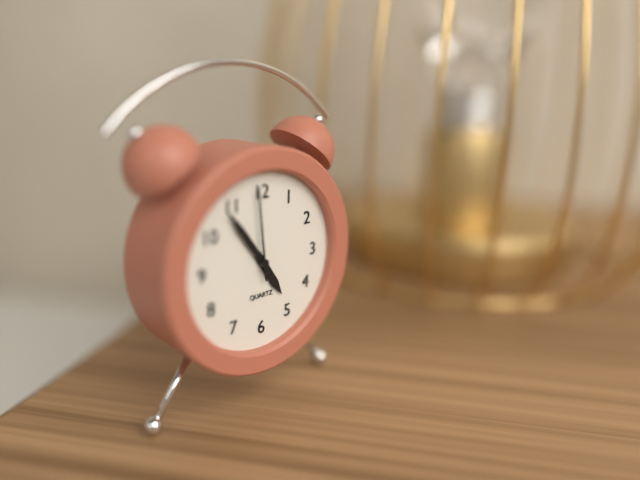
4 h 54 min 59 s
